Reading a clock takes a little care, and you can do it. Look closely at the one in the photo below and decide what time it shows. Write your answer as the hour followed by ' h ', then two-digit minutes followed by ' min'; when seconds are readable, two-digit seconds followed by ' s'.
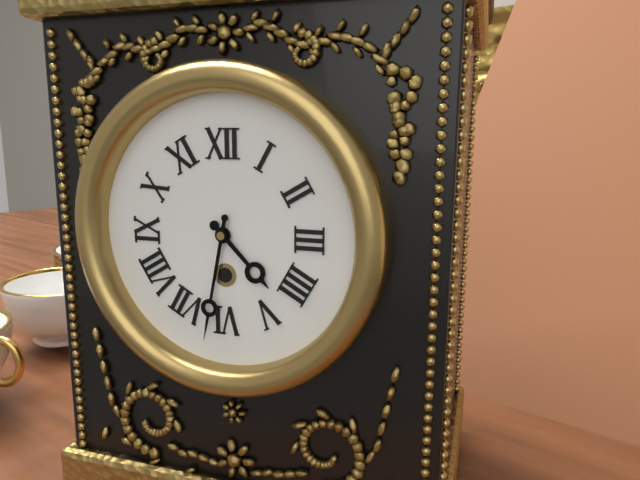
4 h 32 min
